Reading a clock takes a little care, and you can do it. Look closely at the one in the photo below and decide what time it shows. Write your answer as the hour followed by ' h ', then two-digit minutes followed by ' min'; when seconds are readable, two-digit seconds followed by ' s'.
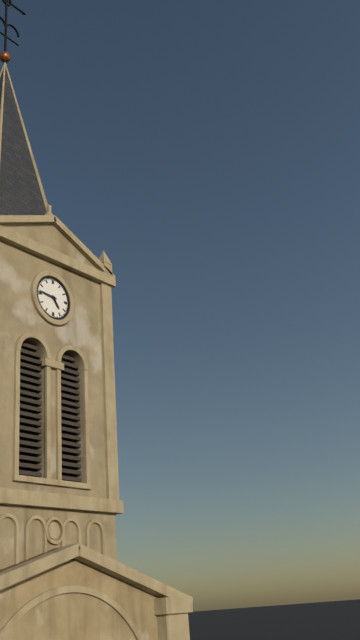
4 h 46 min
